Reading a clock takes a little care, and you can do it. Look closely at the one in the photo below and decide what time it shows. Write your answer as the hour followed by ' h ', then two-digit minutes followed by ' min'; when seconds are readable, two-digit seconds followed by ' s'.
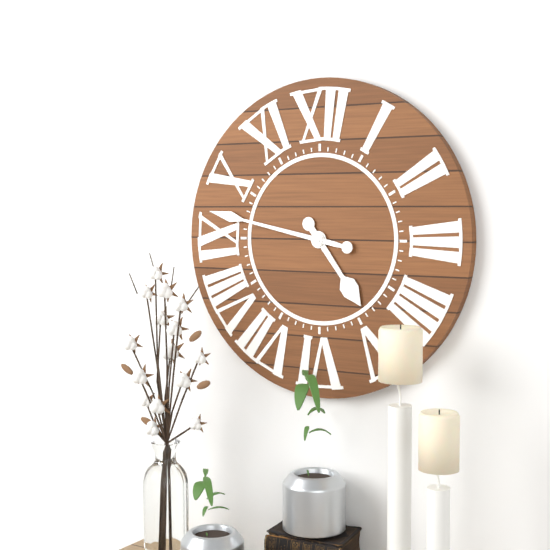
4 h 47 min
